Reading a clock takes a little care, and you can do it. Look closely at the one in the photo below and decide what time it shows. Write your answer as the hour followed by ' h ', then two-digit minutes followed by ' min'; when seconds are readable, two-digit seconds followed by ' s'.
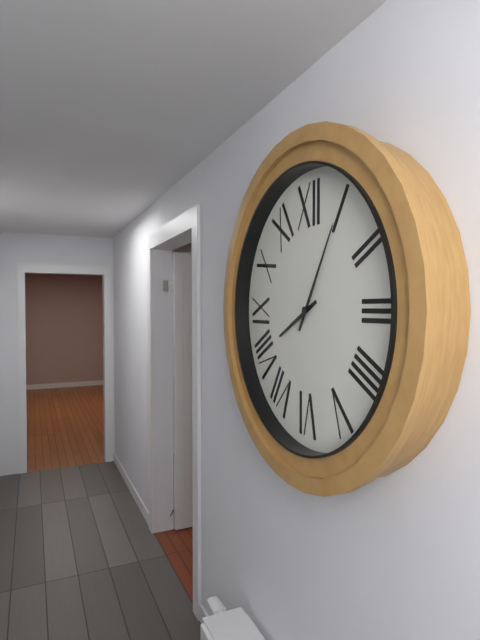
8 h 05 min
